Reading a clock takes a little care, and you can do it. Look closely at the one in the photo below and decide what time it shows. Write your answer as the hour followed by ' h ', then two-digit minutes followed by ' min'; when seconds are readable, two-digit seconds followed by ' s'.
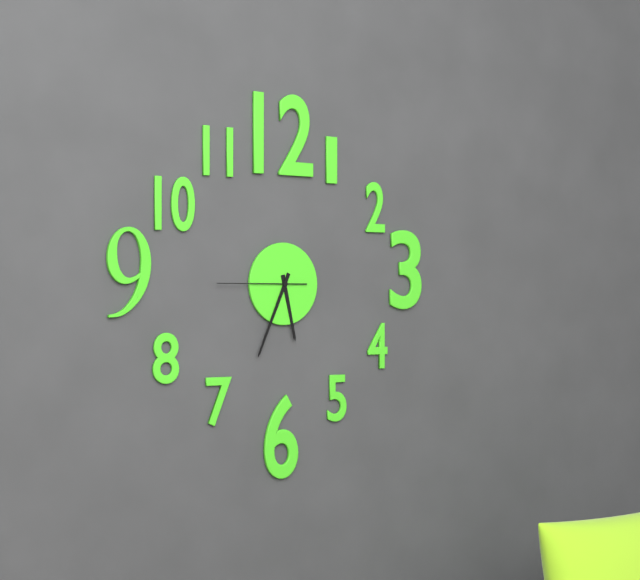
5 h 34 min 45 s
